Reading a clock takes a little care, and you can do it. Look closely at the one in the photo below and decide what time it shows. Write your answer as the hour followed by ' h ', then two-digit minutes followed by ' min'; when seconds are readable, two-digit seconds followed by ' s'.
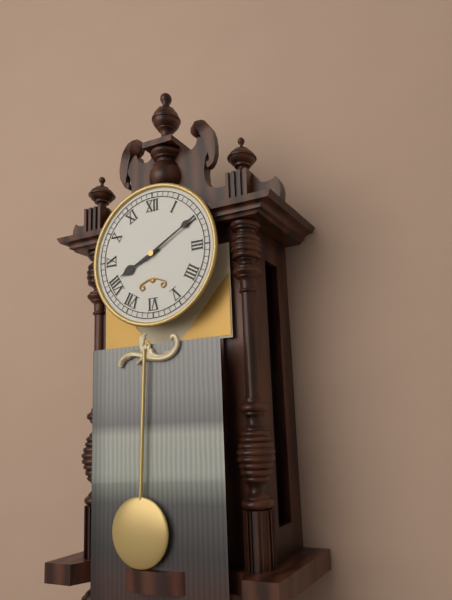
8 h 10 min
